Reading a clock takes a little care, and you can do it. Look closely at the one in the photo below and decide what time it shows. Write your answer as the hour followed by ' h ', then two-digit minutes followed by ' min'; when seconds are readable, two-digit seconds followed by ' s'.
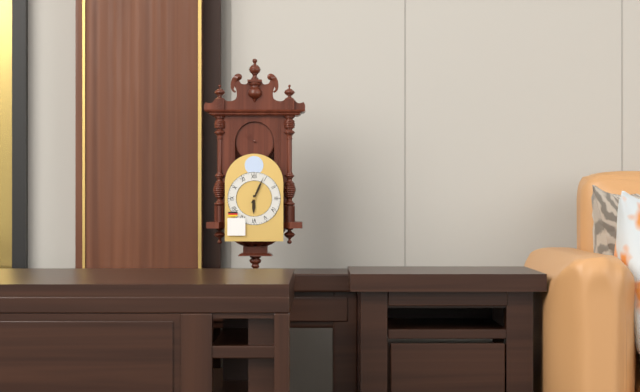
6 h 04 min
